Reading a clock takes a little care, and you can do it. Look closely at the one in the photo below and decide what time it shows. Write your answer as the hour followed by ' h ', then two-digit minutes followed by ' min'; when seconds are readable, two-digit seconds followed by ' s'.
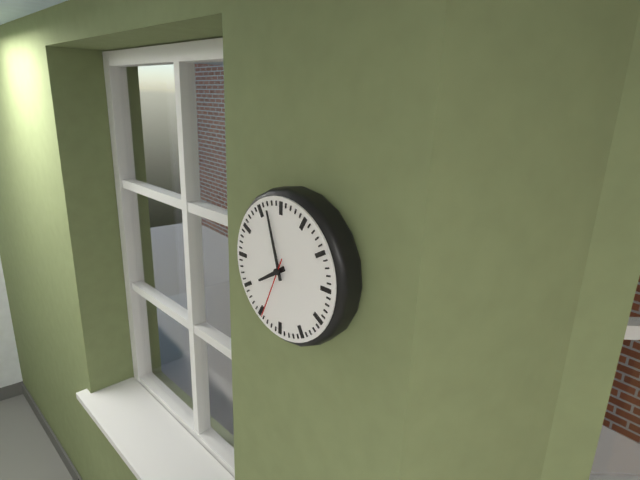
7 h 57 min 34 s
